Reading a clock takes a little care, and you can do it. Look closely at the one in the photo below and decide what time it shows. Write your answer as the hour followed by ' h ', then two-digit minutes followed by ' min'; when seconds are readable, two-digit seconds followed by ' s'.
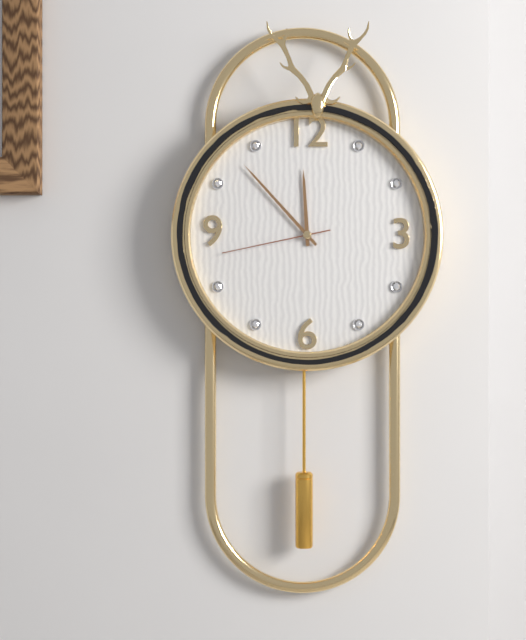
11 h 53 min 43 s
